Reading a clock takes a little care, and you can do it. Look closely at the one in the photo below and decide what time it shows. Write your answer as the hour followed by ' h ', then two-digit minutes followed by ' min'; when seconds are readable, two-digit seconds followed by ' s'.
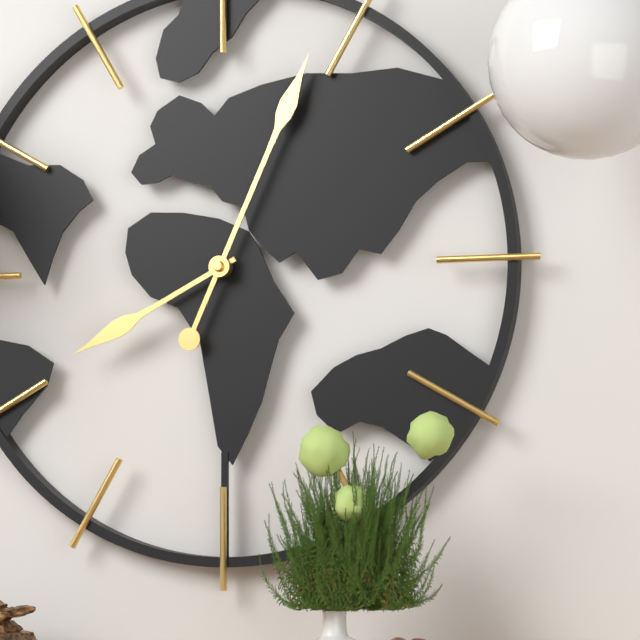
8 h 04 min
